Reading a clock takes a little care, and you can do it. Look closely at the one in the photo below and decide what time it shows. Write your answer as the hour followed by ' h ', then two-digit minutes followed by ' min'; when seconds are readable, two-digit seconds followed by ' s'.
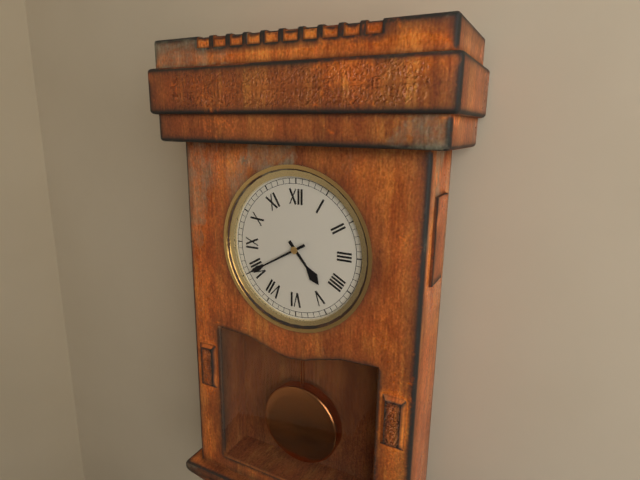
4 h 40 min
